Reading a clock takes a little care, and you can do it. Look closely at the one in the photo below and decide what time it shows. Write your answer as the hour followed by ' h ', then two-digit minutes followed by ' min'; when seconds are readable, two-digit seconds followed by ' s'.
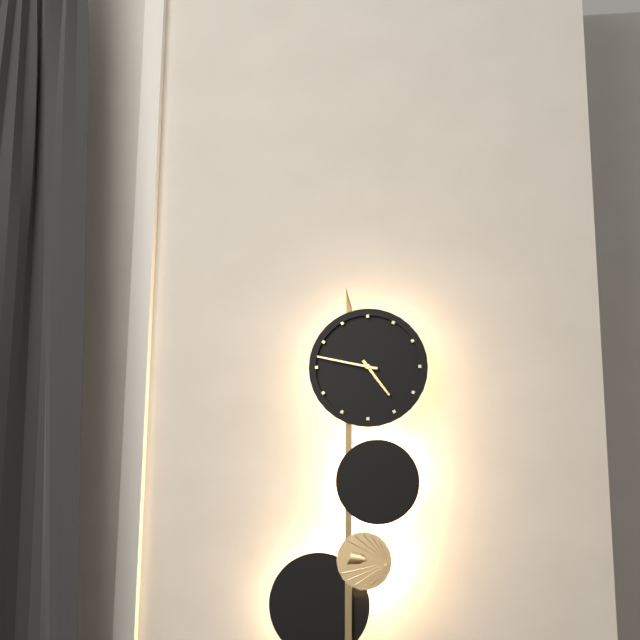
4 h 47 min
